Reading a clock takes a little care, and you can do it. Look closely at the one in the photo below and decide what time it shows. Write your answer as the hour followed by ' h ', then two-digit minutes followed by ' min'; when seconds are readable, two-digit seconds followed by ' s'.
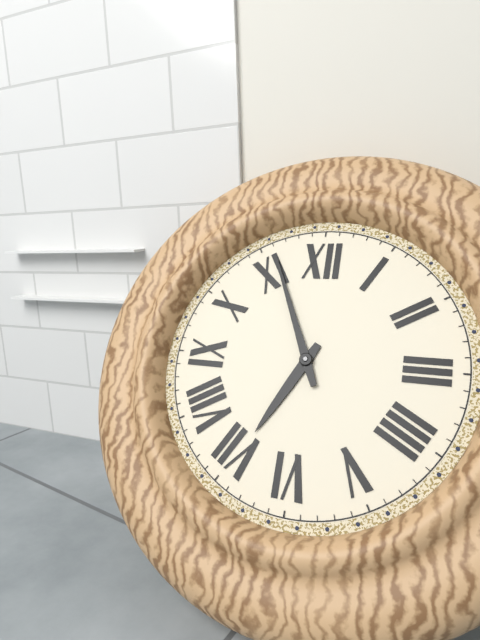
6 h 56 min
